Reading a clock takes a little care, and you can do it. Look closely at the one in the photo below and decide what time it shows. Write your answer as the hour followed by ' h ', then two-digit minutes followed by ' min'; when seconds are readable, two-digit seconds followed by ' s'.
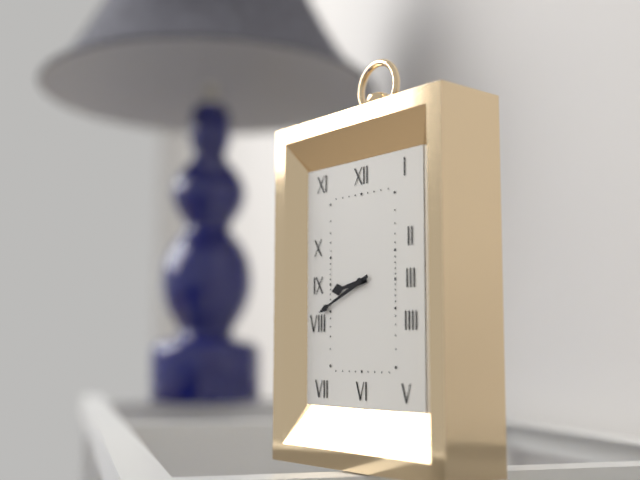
8 h 41 min
